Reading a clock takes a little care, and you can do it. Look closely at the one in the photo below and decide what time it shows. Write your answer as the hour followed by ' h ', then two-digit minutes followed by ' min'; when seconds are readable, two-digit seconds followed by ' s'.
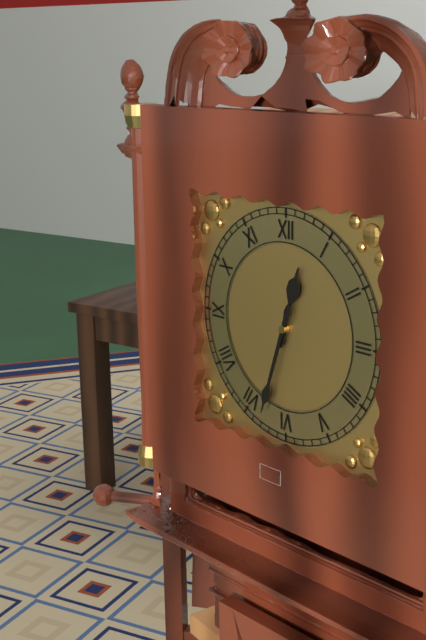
12 h 33 min
